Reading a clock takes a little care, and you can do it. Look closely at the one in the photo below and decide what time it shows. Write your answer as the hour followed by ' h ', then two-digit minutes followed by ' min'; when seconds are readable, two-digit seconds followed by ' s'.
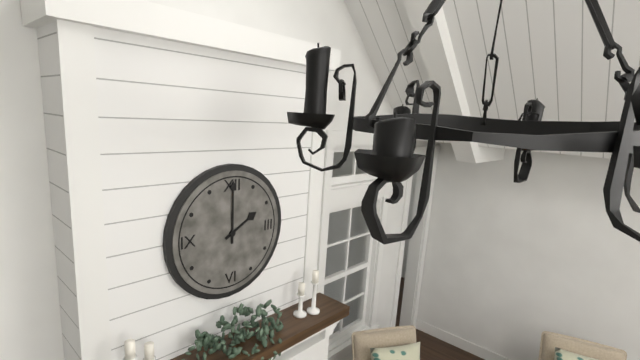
2 h 00 min
